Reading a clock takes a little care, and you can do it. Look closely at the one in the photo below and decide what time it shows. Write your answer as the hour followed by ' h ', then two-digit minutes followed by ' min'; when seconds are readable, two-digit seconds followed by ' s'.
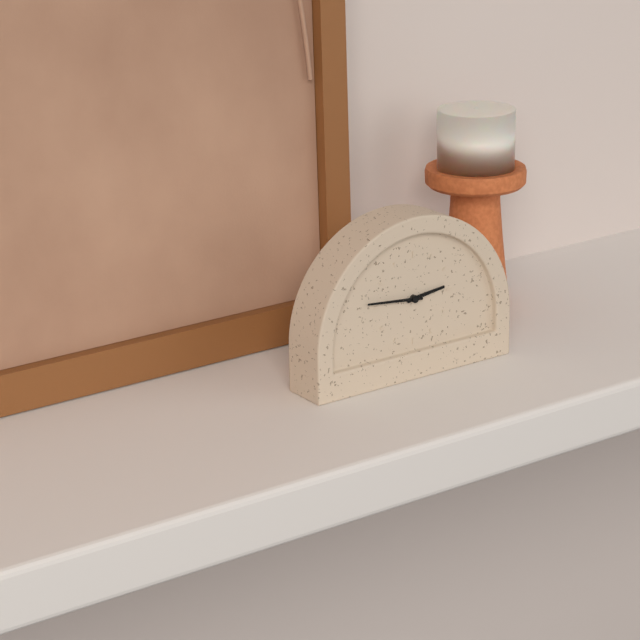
2 h 46 min
